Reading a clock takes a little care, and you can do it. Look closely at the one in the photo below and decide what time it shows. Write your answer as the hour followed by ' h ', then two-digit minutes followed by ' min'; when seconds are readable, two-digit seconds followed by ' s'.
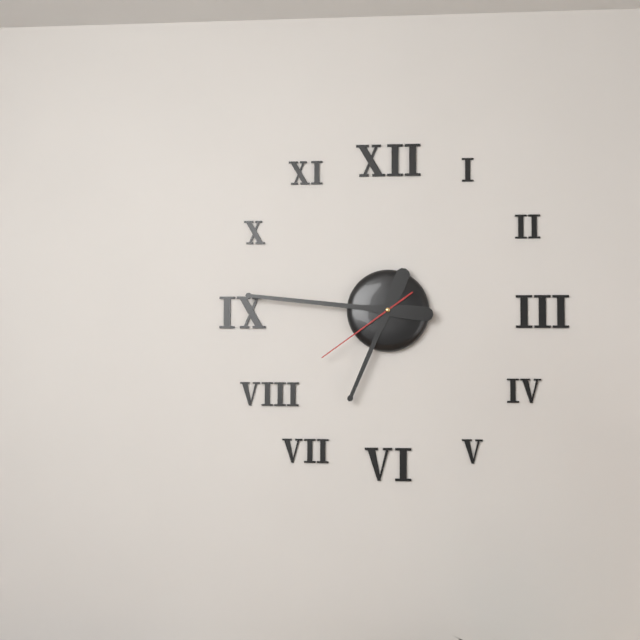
6 h 46 min 39 s
